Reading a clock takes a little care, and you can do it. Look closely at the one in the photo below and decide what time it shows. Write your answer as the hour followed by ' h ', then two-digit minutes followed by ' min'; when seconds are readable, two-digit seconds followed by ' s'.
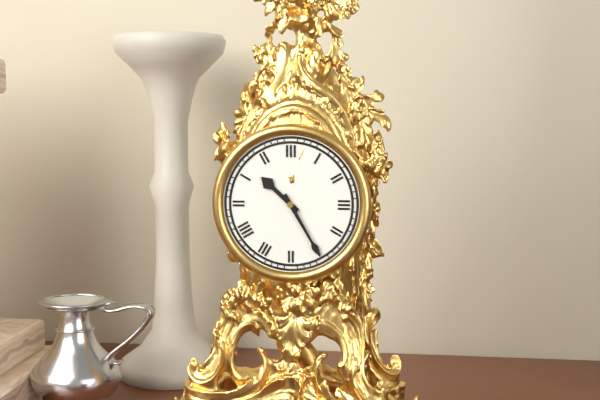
10 h 25 min
